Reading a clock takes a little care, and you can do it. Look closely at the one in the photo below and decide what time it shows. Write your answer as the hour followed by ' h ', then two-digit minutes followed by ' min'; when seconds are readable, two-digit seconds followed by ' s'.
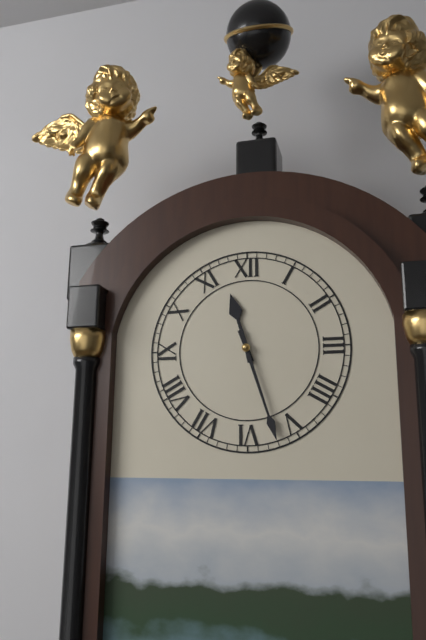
11 h 27 min
